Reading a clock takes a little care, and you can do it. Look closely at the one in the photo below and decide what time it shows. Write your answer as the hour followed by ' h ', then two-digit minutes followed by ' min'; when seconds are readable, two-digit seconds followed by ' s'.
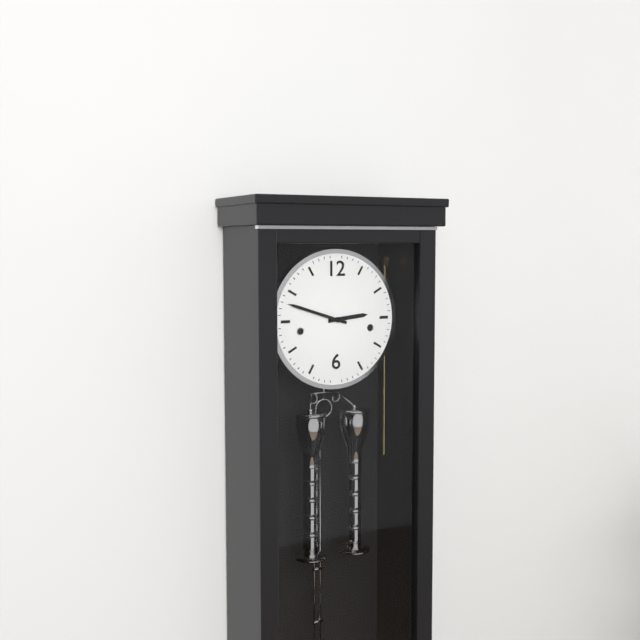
2 h 48 min
